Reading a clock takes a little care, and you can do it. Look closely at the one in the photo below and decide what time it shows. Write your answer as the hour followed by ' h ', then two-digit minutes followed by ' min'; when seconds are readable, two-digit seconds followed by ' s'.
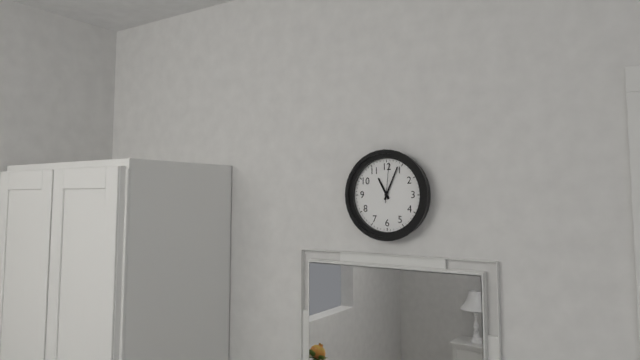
11 h 04 min
